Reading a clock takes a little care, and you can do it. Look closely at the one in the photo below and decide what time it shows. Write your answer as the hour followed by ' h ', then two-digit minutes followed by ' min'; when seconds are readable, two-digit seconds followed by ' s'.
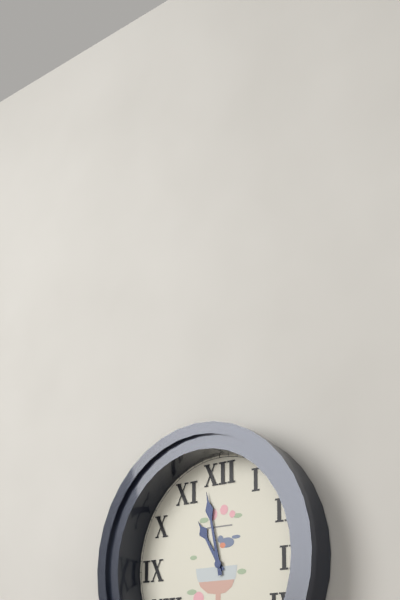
10 h 58 min
